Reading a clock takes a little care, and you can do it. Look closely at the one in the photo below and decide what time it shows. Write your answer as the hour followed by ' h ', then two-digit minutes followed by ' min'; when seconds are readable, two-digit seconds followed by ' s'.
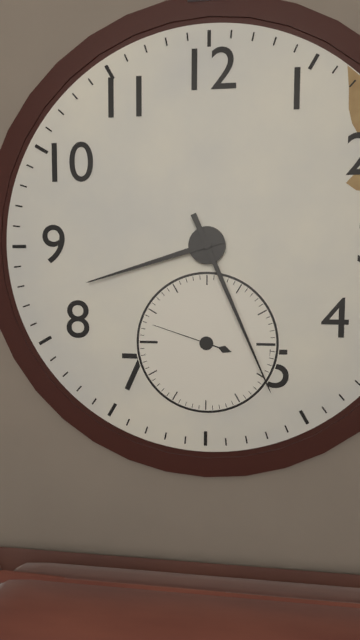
8 h 26 min 48 s
